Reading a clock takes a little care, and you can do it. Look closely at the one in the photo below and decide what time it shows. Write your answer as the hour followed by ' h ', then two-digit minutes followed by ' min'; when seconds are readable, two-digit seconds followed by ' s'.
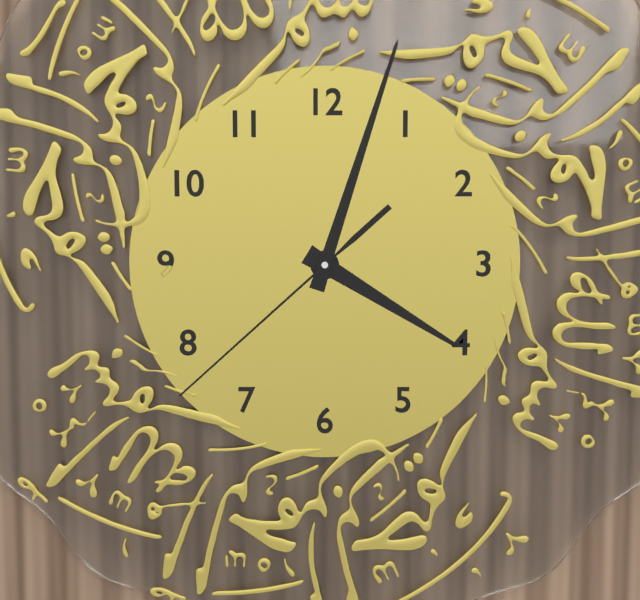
4 h 03 min 38 s
